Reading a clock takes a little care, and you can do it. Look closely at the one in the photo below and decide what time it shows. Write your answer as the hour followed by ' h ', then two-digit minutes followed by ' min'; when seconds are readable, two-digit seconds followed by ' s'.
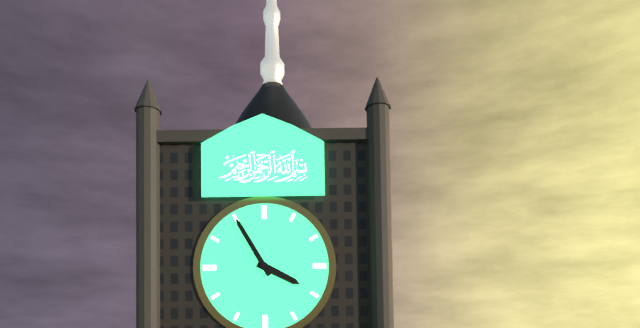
3 h 55 min
